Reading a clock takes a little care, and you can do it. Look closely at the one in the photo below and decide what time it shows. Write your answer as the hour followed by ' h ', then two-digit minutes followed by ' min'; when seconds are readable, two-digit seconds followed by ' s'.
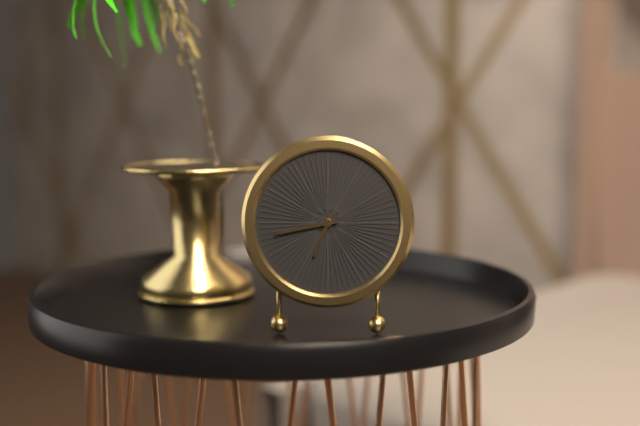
6 h 43 min
